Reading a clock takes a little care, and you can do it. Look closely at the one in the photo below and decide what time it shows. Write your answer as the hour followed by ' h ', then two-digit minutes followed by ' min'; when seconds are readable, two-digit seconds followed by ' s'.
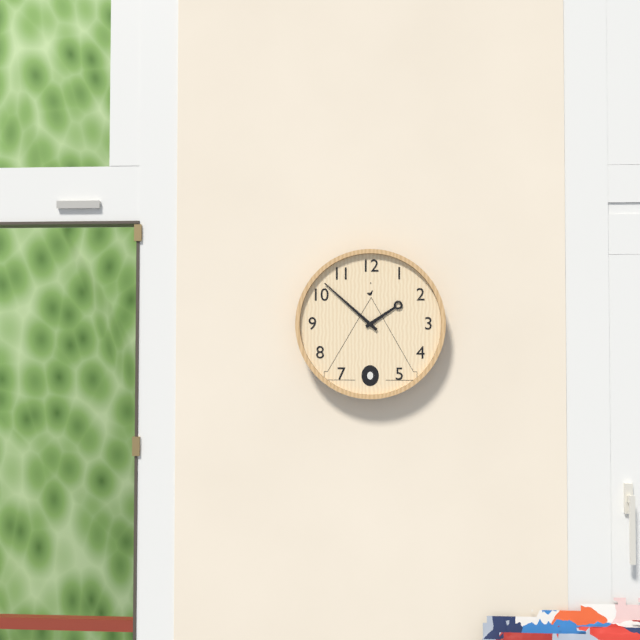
1 h 52 min
